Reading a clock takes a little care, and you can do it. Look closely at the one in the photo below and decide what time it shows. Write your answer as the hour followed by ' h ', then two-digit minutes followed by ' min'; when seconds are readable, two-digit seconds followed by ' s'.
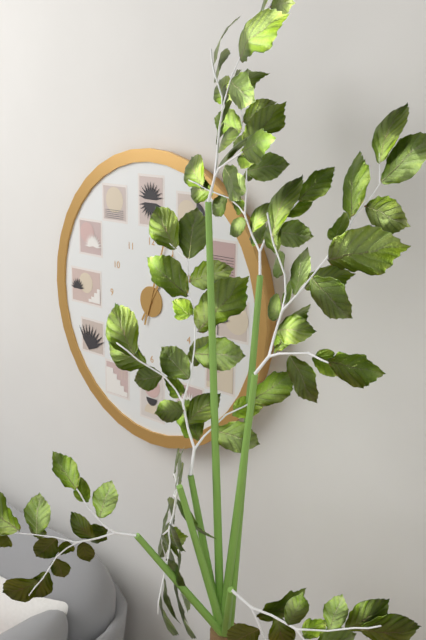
1 h 03 min
